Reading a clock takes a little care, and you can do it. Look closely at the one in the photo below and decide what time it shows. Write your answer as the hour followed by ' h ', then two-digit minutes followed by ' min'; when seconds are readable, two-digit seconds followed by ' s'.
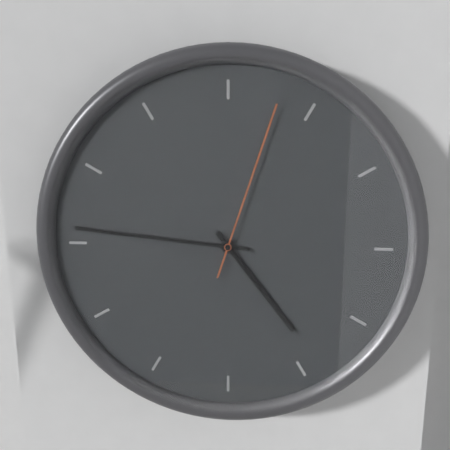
4 h 46 min 03 s
